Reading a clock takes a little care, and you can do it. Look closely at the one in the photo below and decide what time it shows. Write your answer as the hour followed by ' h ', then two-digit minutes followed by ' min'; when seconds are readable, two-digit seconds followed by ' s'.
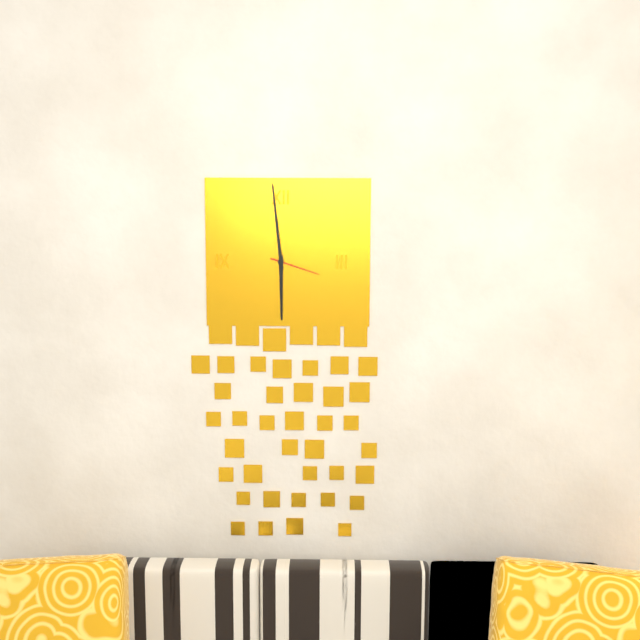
5 h 59 min 18 s
